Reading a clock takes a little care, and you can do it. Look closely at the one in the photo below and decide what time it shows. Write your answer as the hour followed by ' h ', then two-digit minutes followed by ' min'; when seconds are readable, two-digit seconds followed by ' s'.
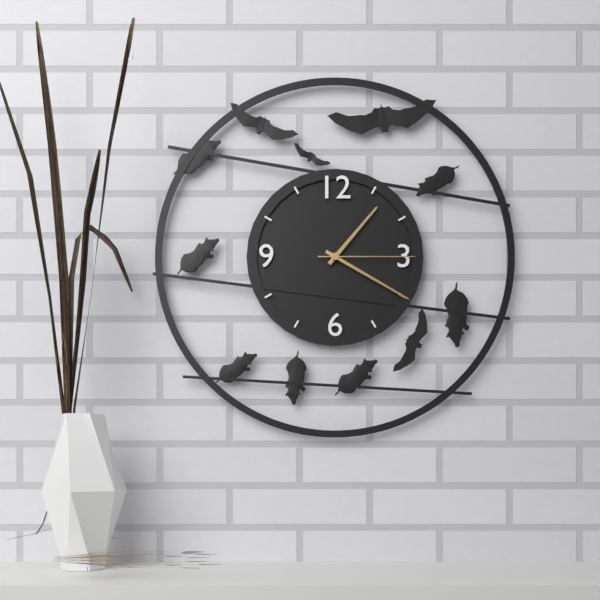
1 h 20 min 15 s
